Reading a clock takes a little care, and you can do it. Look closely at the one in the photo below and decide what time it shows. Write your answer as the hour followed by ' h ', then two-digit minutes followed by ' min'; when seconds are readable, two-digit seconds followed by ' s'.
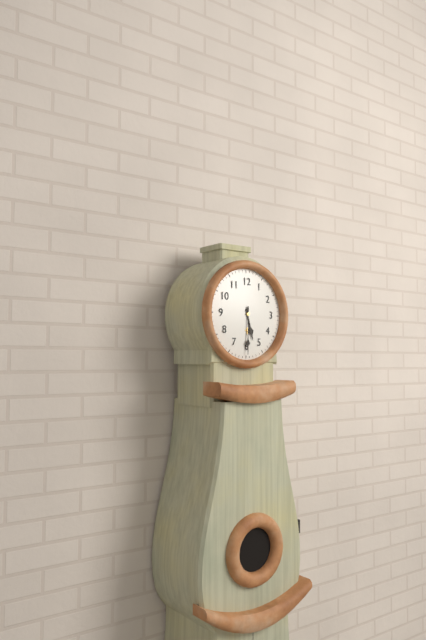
5 h 30 min
